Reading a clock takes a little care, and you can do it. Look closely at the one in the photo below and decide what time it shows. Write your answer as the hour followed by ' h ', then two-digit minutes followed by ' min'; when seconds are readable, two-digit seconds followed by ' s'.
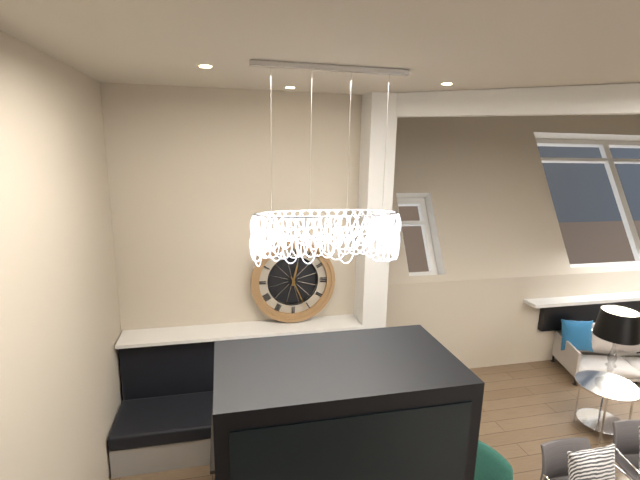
12 h 26 min
